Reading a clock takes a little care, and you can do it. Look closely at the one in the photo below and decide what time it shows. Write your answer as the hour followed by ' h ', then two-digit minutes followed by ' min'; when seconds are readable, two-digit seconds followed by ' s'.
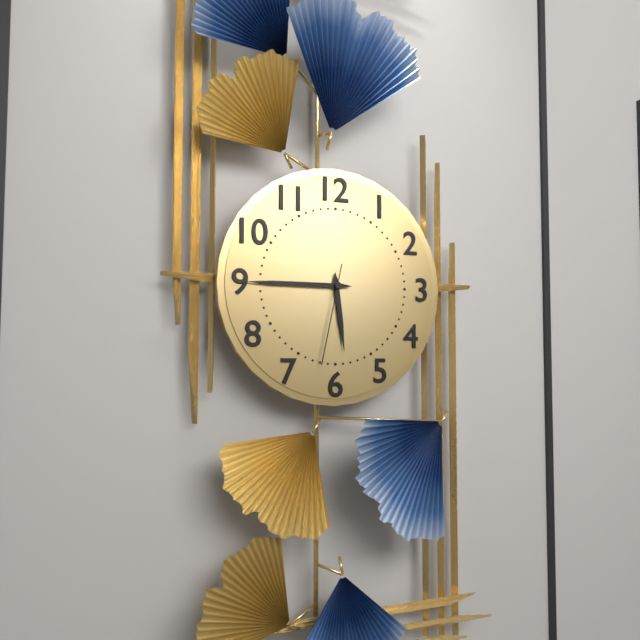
5 h 45 min 32 s
